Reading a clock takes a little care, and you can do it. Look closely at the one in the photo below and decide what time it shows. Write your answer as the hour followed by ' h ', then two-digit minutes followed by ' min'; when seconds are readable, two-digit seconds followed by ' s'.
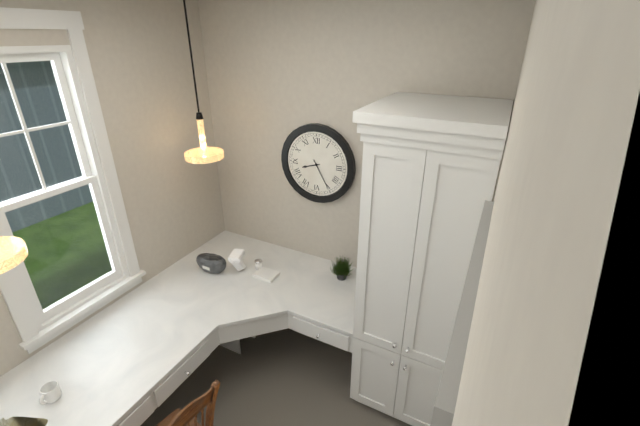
8 h 25 min
